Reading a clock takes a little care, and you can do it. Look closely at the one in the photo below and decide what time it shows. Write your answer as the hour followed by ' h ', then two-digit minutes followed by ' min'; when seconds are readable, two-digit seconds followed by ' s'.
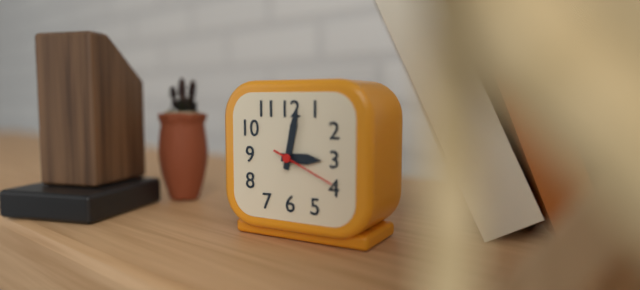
3 h 02 min
